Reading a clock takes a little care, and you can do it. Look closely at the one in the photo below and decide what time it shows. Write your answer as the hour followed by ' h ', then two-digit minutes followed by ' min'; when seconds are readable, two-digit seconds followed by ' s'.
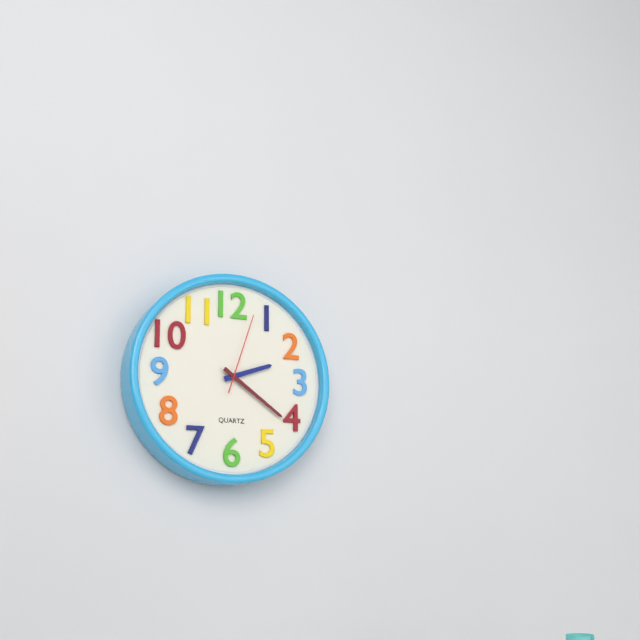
2 h 21 min 03 s
